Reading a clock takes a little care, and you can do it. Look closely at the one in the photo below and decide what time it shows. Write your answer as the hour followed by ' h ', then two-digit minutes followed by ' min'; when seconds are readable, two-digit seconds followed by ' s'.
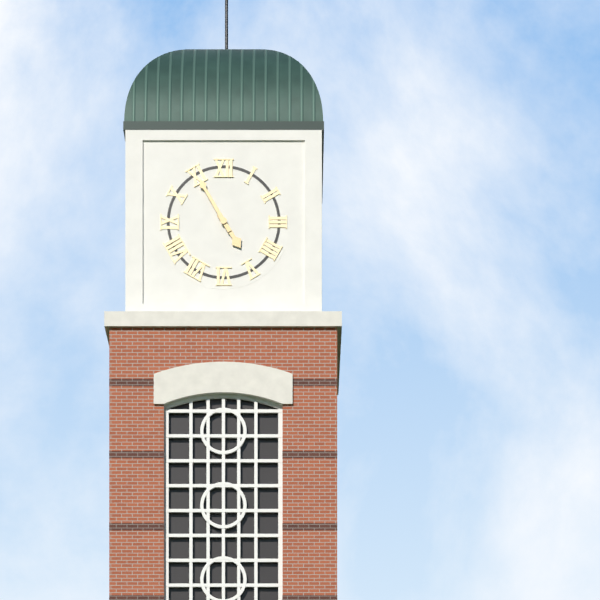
4 h 55 min
